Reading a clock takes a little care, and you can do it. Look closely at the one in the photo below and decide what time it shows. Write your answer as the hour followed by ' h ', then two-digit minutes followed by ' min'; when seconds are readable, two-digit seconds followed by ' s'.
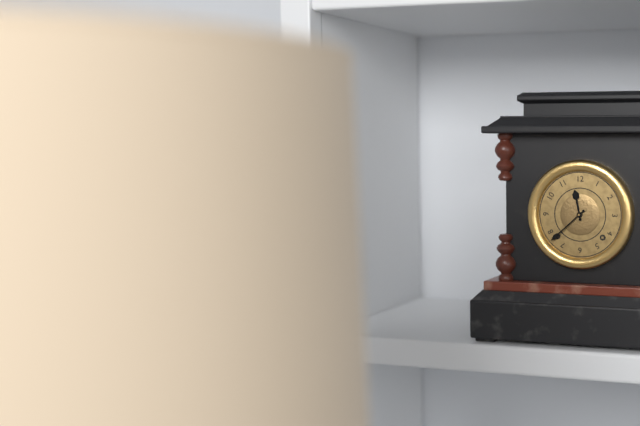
11 h 38 min
